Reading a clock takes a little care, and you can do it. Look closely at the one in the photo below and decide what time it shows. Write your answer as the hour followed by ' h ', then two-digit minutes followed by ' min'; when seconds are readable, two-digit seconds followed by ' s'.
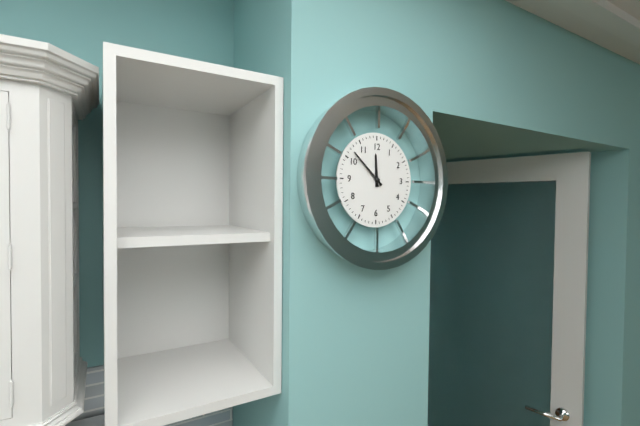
11 h 52 min
